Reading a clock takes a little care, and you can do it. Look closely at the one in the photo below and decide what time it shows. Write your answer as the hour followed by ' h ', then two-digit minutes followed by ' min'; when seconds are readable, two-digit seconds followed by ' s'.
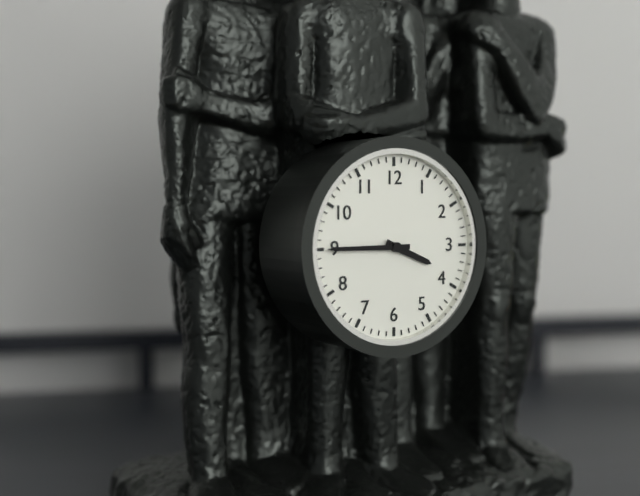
3 h 45 min
